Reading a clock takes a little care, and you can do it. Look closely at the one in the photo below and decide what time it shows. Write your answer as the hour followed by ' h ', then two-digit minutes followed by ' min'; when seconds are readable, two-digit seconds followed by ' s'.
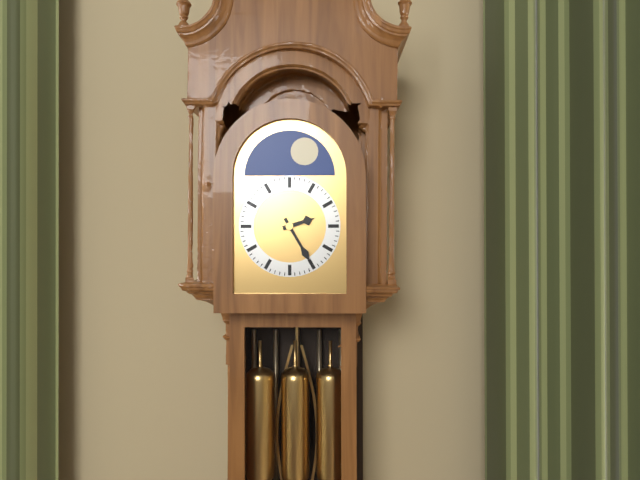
2 h 25 min
